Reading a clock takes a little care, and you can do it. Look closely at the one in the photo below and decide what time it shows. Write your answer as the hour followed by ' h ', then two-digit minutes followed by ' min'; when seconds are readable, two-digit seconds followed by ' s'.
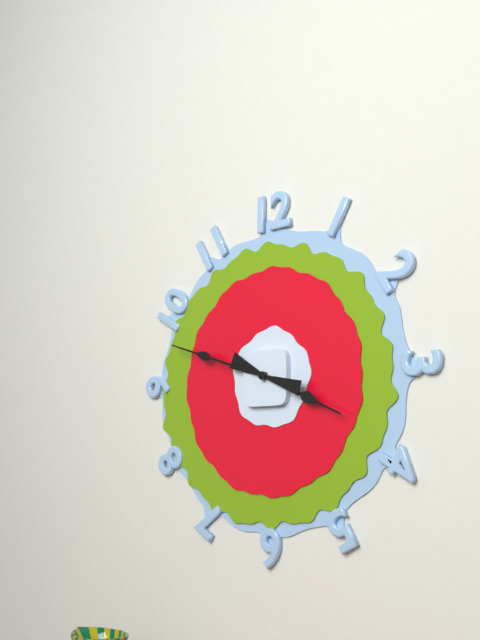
3 h 48 min
